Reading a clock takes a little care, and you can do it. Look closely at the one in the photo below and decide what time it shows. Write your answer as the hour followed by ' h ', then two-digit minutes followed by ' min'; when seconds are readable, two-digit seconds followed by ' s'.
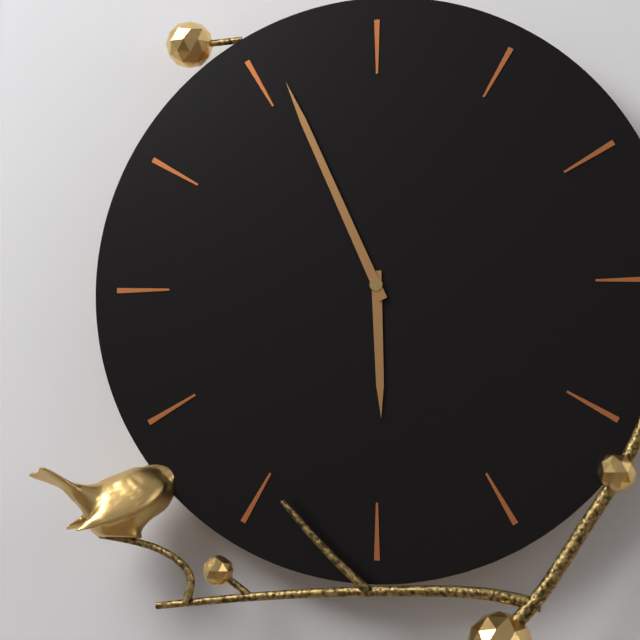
5 h 56 min
